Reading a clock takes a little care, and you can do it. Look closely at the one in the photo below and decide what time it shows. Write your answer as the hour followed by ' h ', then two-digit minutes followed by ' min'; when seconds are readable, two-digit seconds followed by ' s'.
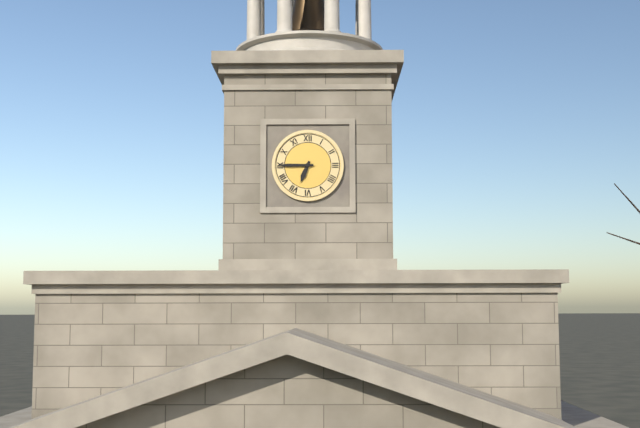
6 h 45 min
